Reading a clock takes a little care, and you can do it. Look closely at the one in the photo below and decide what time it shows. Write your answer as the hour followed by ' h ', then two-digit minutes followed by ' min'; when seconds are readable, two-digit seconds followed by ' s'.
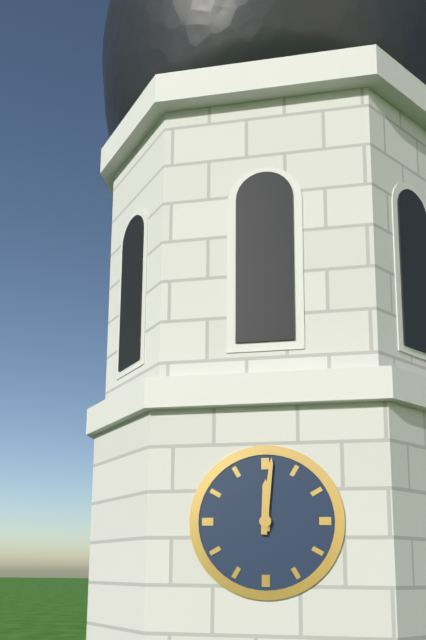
12 h 01 min
